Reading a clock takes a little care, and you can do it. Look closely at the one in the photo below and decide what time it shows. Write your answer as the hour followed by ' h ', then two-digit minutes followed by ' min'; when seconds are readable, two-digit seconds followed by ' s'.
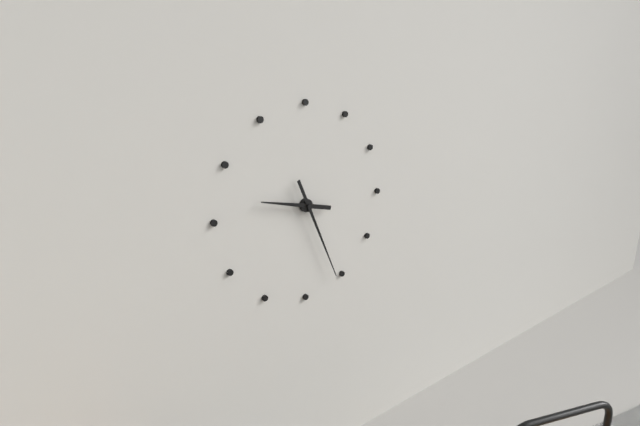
9 h 26 min
